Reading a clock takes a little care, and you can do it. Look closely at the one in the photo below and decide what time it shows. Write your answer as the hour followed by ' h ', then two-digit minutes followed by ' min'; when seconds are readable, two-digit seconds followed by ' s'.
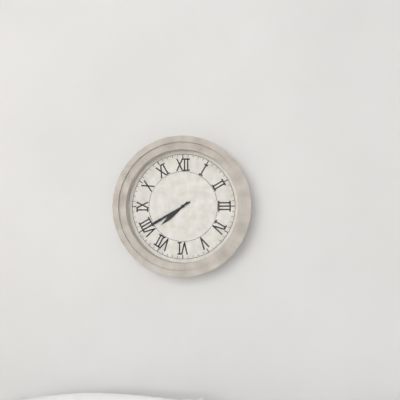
7 h 40 min
